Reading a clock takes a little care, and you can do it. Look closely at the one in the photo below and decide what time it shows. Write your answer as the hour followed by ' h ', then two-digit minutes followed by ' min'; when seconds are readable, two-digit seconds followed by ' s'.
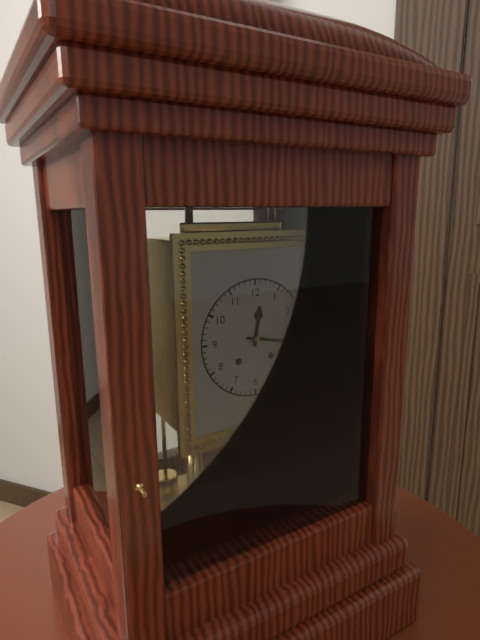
12 h 17 min
